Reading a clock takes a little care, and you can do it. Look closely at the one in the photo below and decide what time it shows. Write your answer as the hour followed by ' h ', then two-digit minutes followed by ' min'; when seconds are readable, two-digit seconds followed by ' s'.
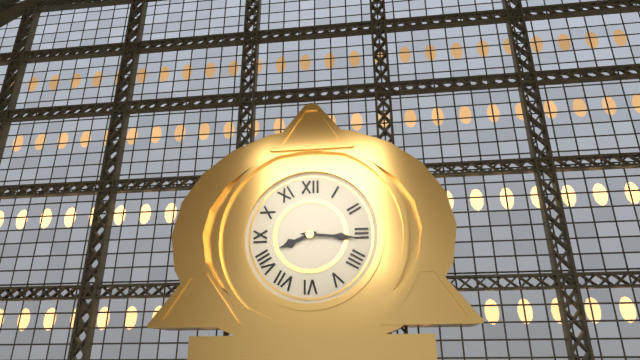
8 h 16 min
